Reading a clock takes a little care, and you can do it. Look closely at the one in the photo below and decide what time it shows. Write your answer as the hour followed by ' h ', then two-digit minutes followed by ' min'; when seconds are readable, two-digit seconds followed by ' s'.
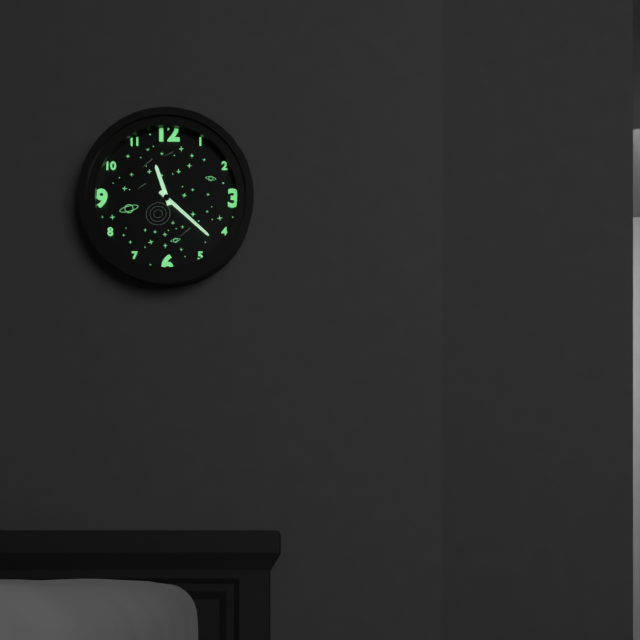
11 h 22 min
